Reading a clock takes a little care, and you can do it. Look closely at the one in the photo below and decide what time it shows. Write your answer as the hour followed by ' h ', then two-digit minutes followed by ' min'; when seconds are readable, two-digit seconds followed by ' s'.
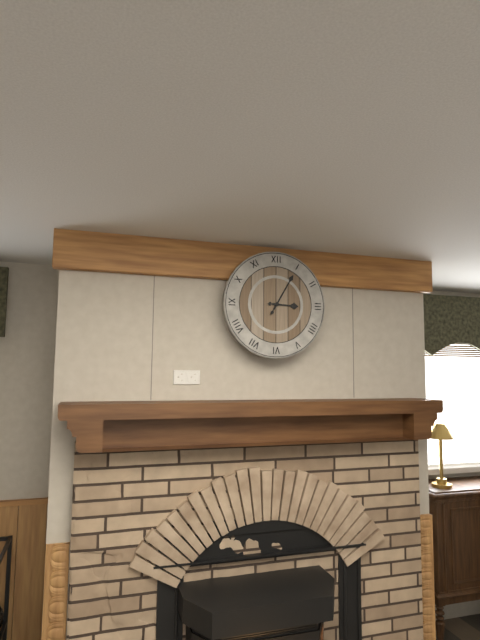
3 h 05 min
